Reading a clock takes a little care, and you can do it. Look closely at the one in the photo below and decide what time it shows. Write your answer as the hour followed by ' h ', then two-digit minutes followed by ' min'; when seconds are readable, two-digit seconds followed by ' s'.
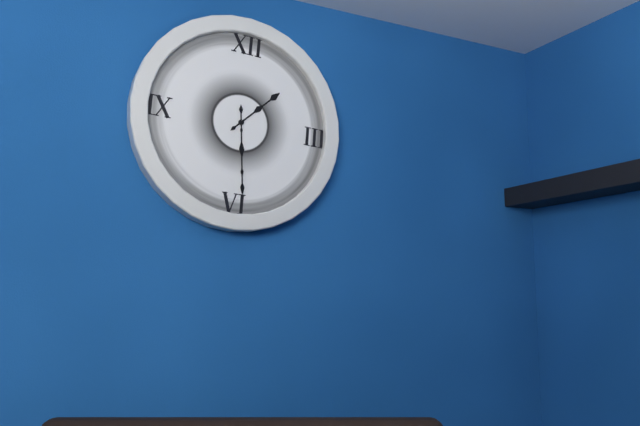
1 h 29 min
